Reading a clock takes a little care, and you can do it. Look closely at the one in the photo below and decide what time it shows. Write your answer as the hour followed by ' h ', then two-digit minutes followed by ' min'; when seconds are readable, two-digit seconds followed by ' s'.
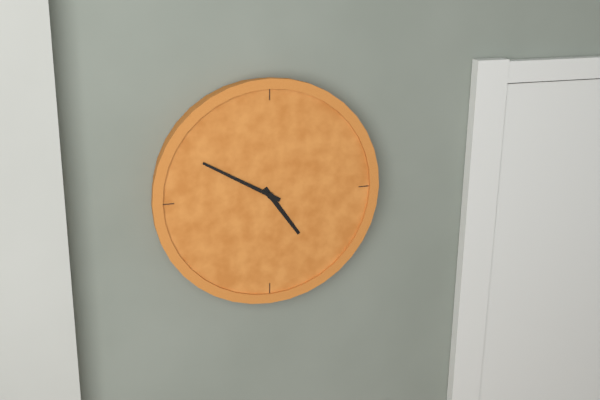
4 h 50 min
